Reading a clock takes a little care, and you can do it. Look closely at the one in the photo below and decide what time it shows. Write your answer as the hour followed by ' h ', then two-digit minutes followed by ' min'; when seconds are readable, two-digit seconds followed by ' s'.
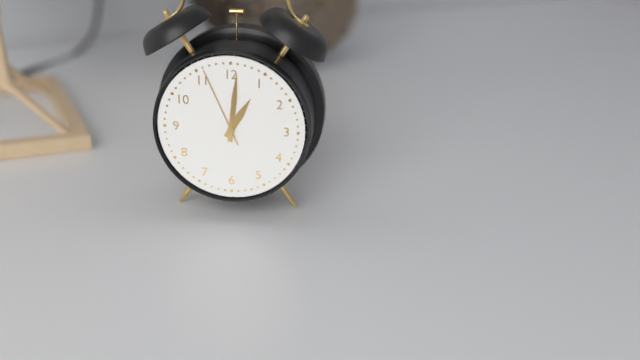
1 h 01 min 56 s
